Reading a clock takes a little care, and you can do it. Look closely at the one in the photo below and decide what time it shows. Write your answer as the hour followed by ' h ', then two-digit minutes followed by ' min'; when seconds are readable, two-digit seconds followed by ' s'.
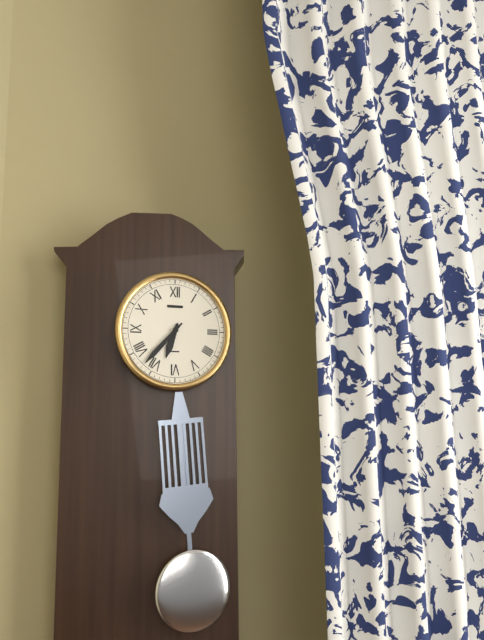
6 h 37 min
